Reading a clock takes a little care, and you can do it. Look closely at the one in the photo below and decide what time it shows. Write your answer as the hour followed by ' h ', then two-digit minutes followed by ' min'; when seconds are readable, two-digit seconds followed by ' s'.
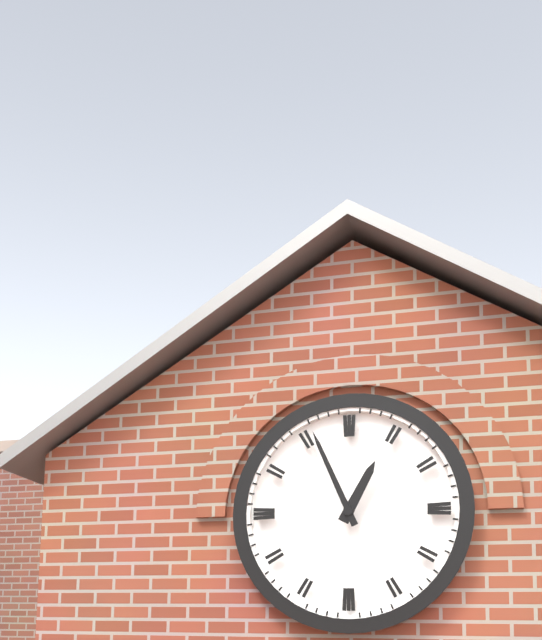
12 h 56 min
